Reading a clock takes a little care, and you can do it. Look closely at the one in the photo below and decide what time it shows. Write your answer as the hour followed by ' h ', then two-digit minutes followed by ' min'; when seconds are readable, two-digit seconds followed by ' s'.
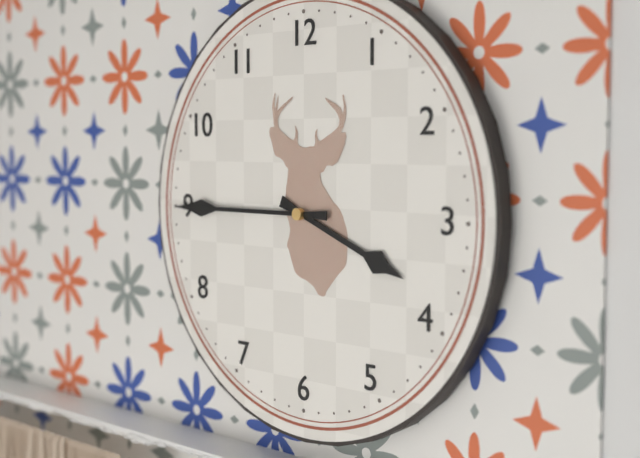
3 h 45 min
